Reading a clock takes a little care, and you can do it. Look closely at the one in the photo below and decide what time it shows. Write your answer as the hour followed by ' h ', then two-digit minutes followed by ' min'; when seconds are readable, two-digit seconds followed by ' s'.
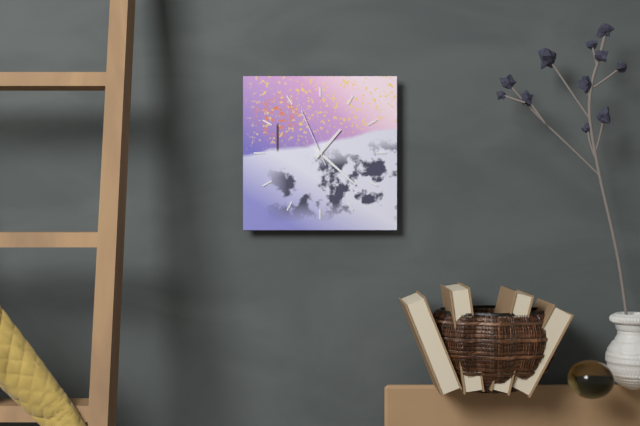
1 h 22 min 56 s
